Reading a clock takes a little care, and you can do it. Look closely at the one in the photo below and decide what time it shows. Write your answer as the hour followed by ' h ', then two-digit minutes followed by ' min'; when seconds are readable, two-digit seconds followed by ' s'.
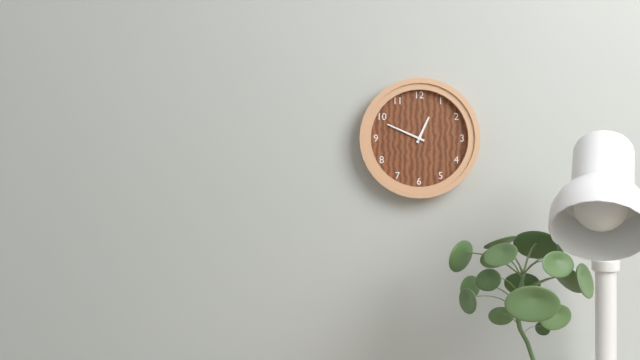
12 h 49 min
